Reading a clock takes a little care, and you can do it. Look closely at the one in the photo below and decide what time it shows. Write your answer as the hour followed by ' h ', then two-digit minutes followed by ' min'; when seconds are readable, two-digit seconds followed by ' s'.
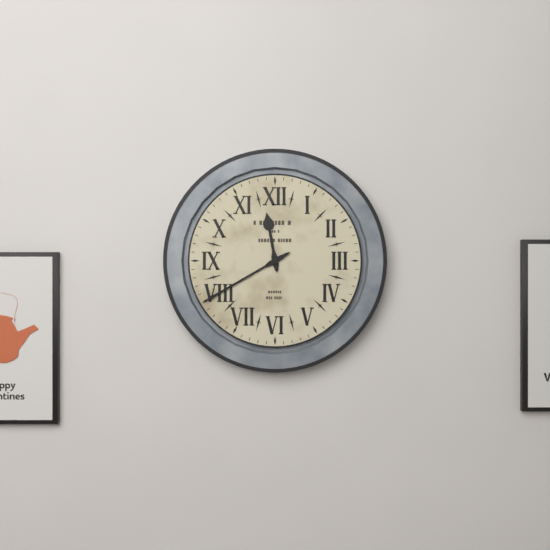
11 h 40 min
